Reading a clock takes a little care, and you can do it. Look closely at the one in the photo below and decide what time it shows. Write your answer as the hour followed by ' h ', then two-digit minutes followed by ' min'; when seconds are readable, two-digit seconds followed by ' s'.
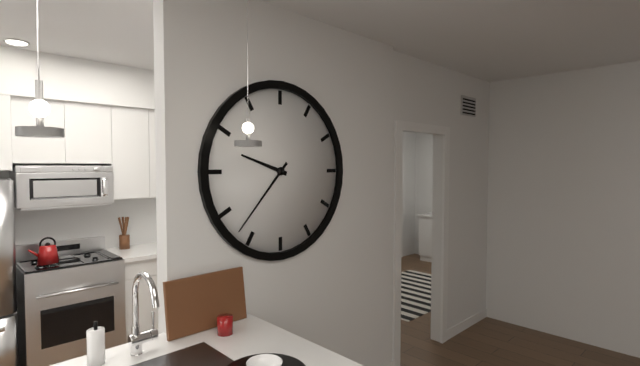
9 h 37 min
